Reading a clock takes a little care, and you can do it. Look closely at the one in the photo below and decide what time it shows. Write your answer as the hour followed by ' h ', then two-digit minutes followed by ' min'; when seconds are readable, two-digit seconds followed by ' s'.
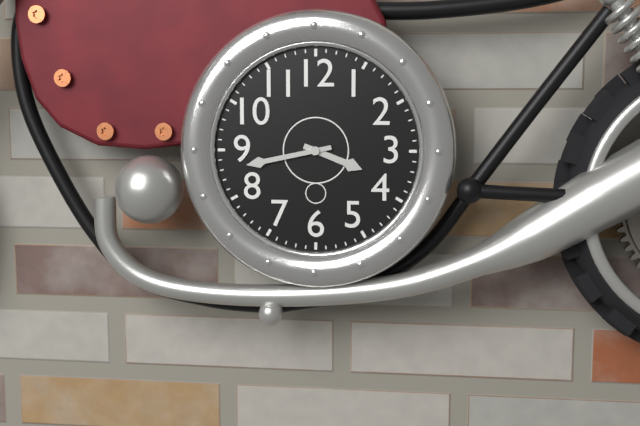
3 h 43 min
